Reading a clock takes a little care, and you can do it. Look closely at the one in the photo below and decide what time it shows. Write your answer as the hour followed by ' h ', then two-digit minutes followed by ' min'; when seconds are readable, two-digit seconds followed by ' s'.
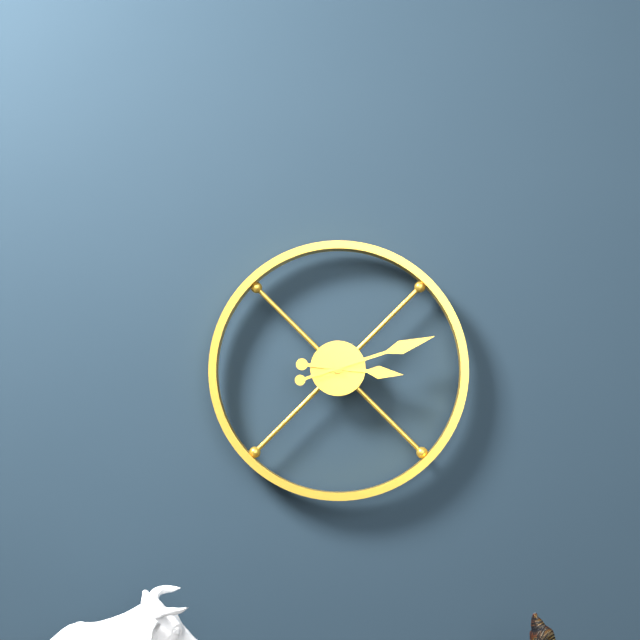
3 h 12 min
